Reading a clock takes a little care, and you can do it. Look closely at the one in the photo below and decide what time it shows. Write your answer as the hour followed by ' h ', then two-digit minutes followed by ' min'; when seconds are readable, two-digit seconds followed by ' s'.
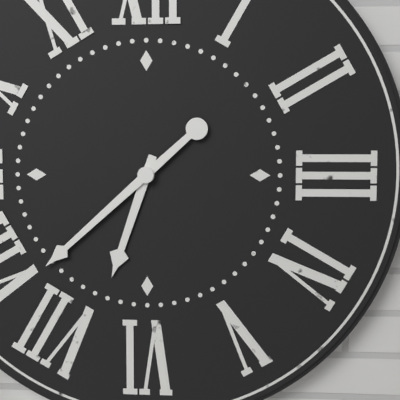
6 h 38 min
